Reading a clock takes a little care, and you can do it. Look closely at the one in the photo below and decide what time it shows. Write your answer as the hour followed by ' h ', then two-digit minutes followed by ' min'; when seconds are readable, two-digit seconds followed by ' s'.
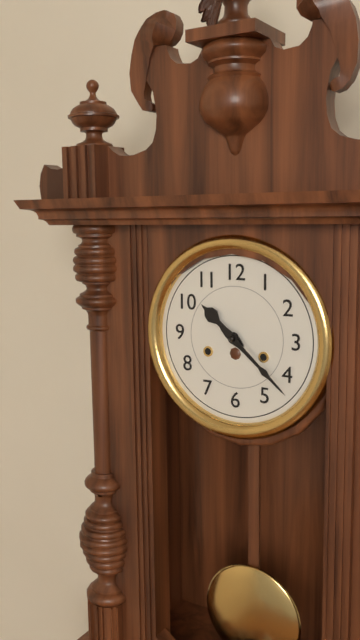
10 h 22 min
